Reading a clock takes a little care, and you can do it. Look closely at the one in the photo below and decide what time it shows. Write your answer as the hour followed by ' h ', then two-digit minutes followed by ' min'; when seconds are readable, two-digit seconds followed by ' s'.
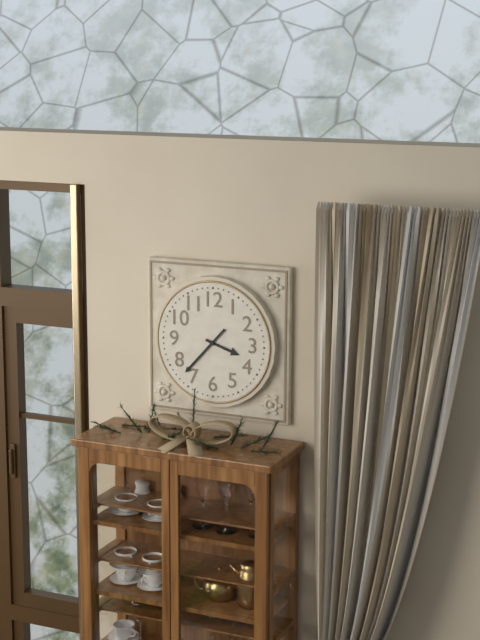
3 h 37 min
